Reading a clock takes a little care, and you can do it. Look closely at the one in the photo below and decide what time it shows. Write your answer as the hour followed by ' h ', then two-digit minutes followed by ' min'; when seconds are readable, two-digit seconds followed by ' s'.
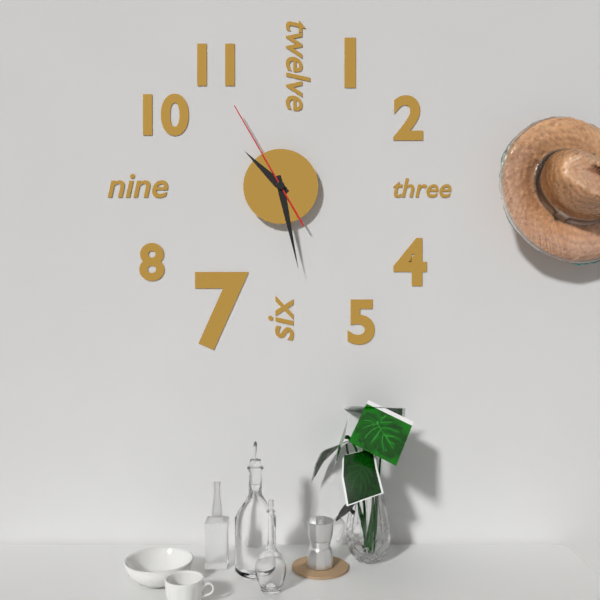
10 h 28 min 55 s
